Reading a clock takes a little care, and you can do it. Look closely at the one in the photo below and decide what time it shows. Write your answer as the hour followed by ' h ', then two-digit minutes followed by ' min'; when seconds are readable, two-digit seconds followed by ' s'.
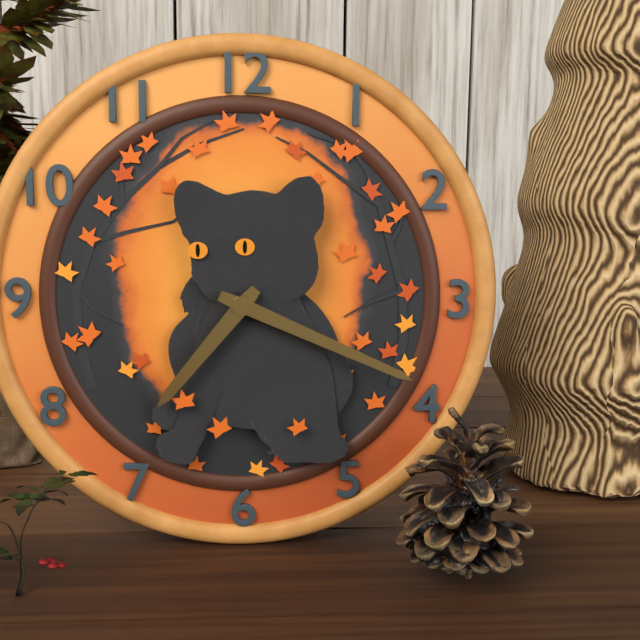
7 h 19 min
